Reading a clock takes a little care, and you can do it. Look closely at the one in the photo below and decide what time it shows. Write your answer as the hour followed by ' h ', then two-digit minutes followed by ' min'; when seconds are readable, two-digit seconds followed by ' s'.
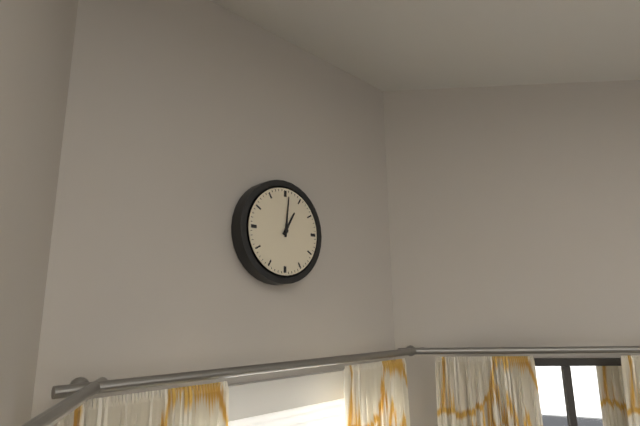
1 h 01 min
